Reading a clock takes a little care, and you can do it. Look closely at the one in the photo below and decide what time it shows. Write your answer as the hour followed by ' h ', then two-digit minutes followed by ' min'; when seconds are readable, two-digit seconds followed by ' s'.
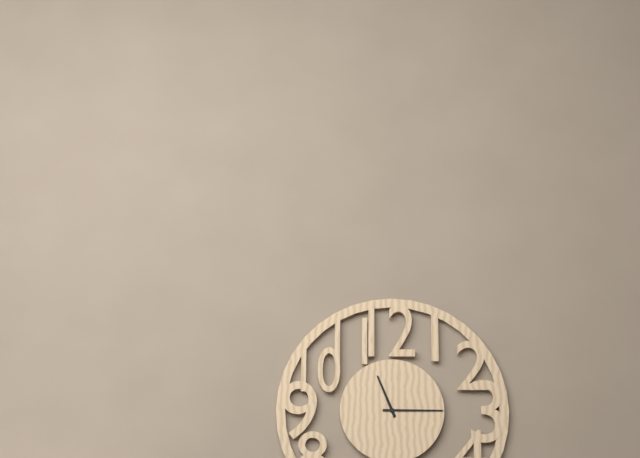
11 h 15 min
